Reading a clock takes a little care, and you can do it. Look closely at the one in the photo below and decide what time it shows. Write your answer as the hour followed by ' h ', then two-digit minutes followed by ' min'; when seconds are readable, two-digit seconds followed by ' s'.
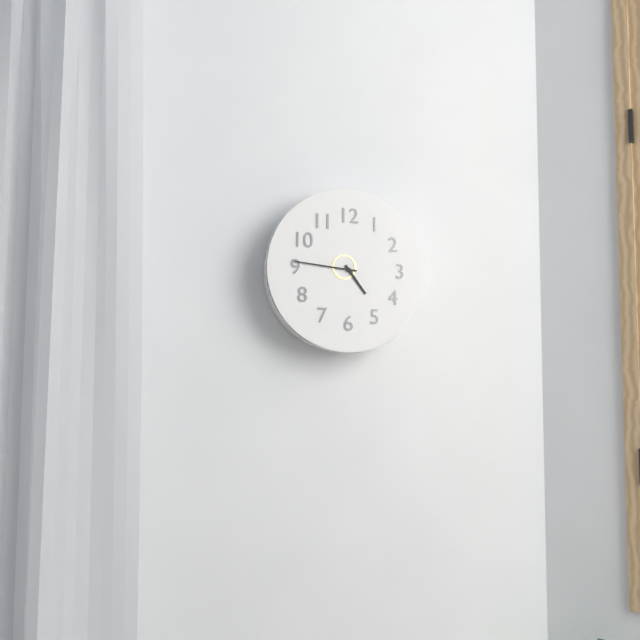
4 h 46 min
